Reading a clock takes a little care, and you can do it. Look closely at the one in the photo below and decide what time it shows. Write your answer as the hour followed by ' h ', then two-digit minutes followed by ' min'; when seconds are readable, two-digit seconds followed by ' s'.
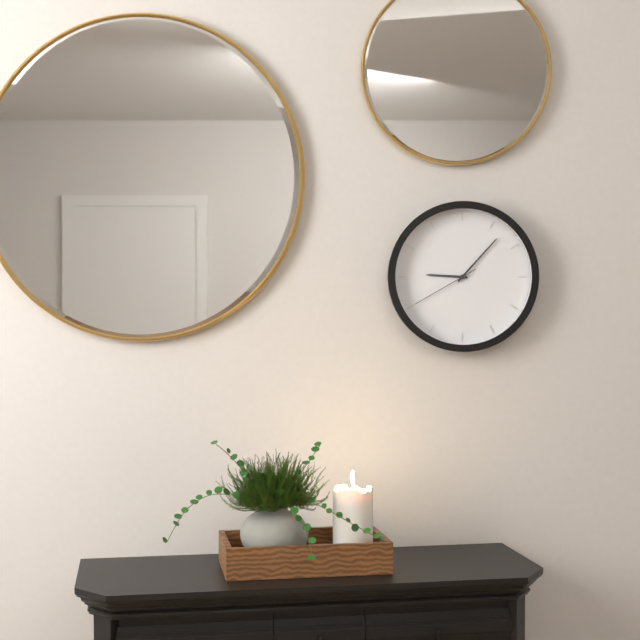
9 h 07 min 40 s
